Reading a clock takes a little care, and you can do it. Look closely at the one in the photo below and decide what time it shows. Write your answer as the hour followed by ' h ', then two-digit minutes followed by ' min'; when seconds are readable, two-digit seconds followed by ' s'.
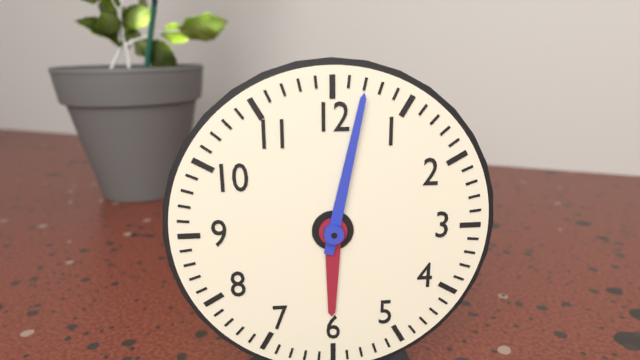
6 h 02 min
